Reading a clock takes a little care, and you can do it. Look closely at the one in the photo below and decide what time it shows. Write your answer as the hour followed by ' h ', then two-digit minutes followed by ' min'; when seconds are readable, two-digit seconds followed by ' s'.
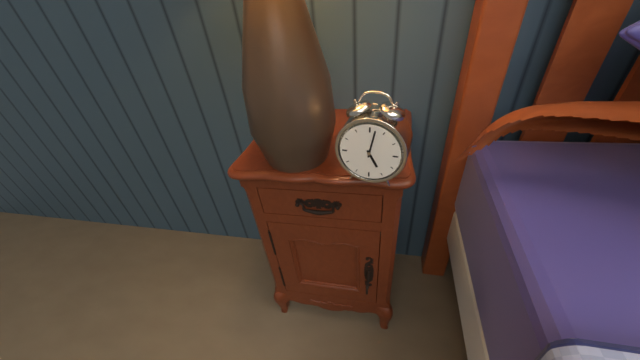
5 h 02 min
